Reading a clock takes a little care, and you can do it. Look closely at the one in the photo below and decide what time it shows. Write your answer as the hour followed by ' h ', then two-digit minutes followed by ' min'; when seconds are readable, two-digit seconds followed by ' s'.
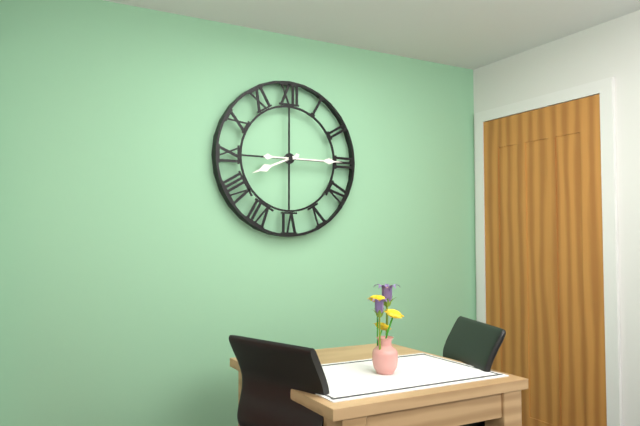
8 h 15 min
